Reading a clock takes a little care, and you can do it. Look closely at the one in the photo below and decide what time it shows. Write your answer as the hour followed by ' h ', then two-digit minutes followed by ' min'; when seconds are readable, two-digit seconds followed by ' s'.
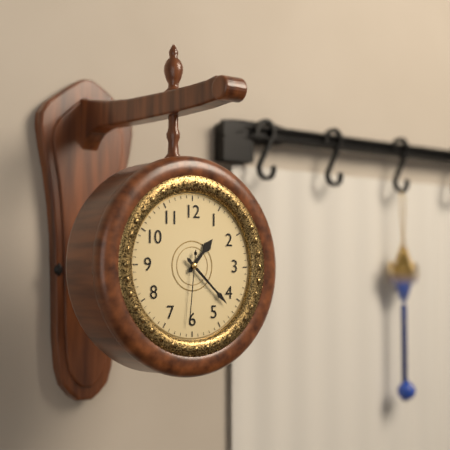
1 h 22 min 31 s
